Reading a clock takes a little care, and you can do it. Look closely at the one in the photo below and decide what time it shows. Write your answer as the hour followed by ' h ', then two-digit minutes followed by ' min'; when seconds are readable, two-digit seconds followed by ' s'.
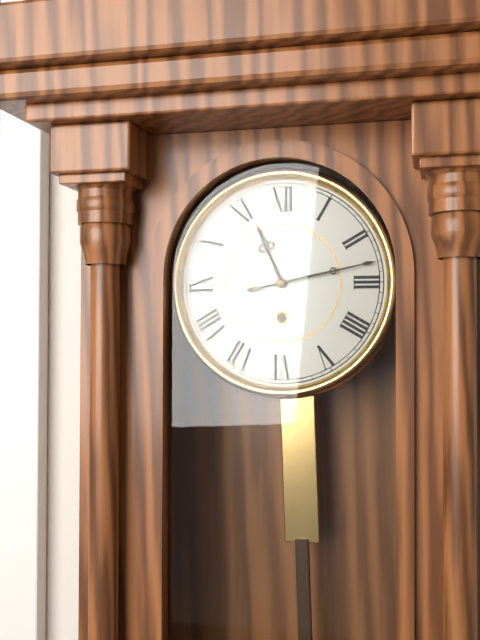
11 h 13 min
